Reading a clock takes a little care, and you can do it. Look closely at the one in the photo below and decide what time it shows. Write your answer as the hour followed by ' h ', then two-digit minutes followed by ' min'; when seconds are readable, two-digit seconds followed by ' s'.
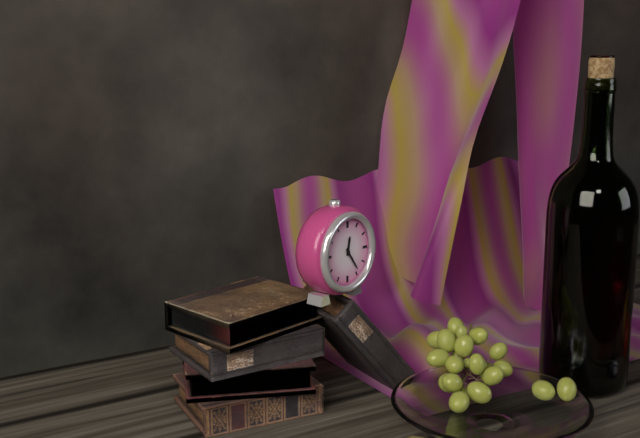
12 h 24 min
